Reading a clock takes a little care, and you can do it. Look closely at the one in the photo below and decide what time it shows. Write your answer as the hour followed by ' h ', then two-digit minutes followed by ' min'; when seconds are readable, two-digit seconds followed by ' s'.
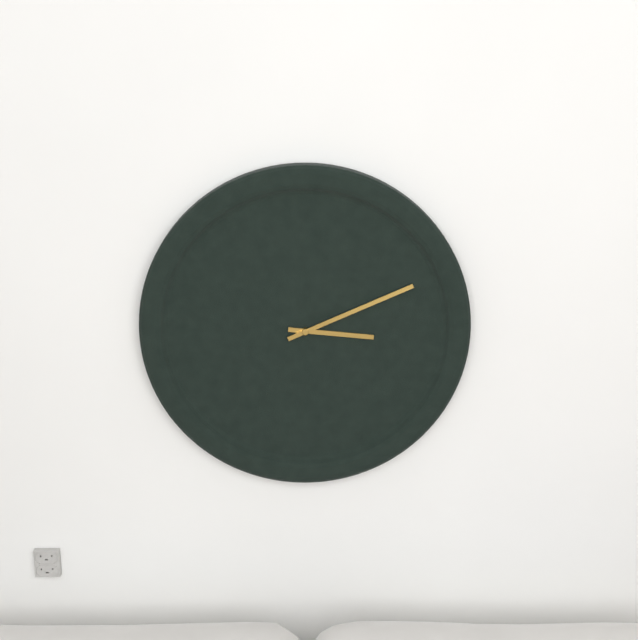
3 h 11 min
